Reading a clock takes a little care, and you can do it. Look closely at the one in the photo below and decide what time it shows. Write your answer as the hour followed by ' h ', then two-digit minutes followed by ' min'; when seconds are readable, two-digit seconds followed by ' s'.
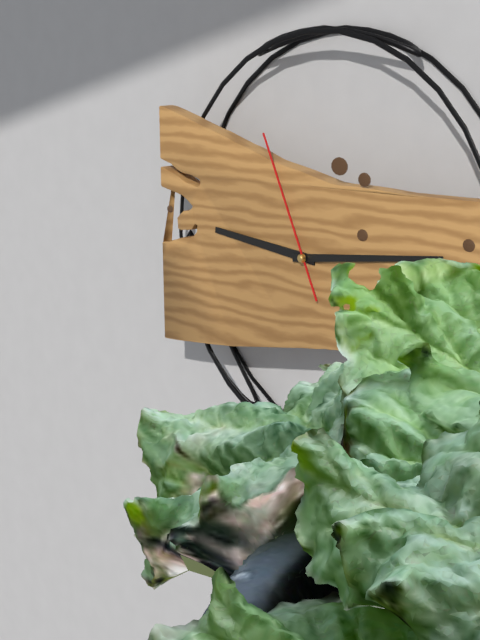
9 h 14 min 56 s
